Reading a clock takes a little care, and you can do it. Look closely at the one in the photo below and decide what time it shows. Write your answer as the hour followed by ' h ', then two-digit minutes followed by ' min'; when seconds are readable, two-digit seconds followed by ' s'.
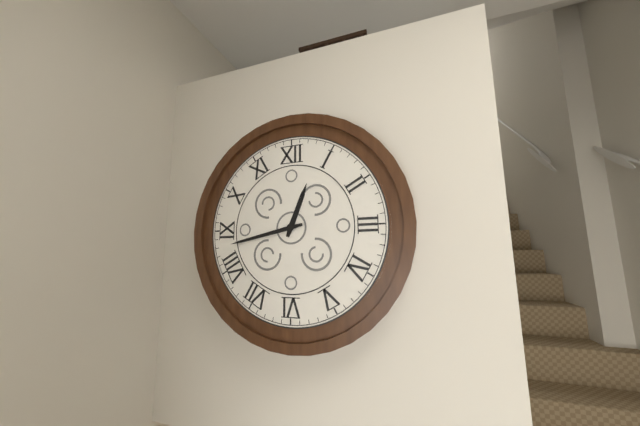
12 h 43 min
